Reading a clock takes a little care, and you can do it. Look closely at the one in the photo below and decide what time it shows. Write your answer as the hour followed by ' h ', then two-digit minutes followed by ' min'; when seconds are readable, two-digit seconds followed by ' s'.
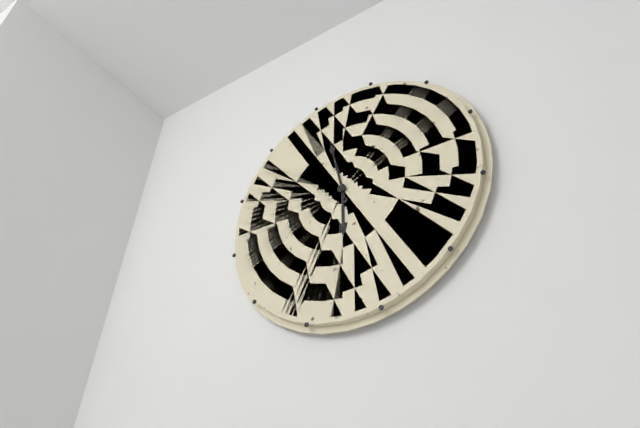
5 h 58 min
